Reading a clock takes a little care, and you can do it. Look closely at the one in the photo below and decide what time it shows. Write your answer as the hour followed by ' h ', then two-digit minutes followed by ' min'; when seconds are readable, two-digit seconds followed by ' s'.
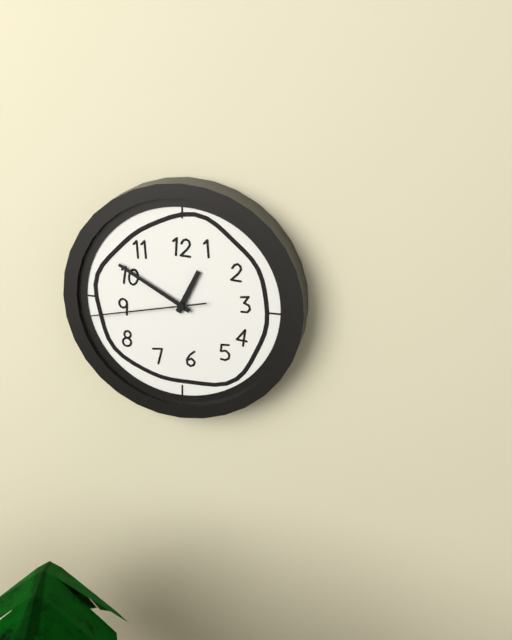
12 h 50 min 43 s
